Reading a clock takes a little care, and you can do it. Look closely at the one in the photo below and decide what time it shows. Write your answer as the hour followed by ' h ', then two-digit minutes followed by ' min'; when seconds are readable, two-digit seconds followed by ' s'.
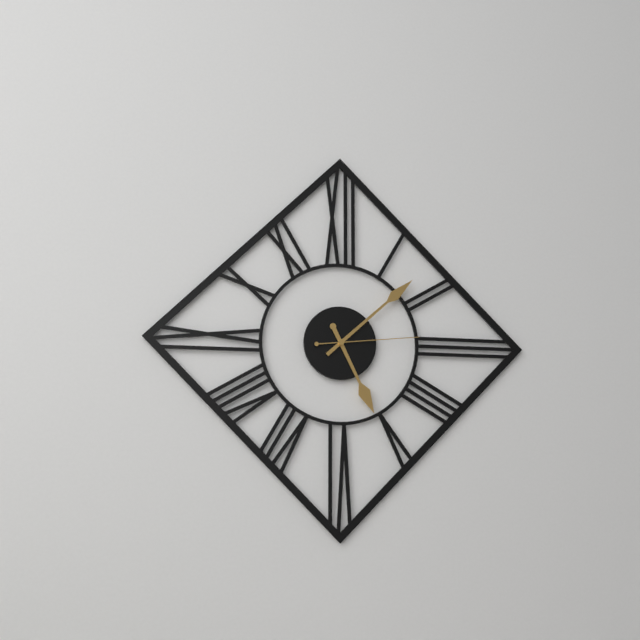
5 h 08 min 14 s
